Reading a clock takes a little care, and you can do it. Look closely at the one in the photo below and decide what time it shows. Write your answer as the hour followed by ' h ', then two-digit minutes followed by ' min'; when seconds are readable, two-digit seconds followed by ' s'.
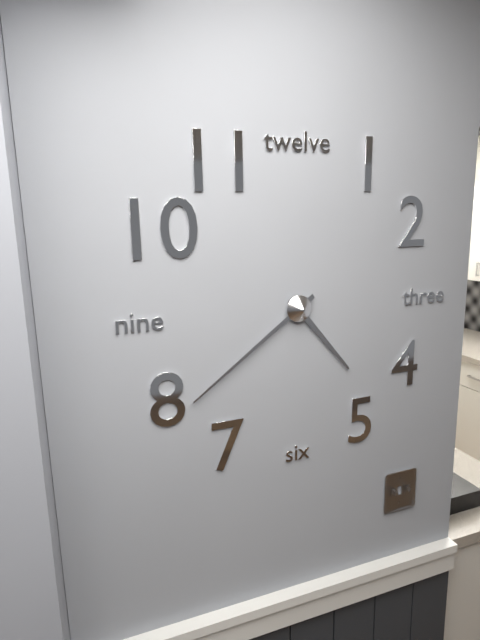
4 h 39 min
